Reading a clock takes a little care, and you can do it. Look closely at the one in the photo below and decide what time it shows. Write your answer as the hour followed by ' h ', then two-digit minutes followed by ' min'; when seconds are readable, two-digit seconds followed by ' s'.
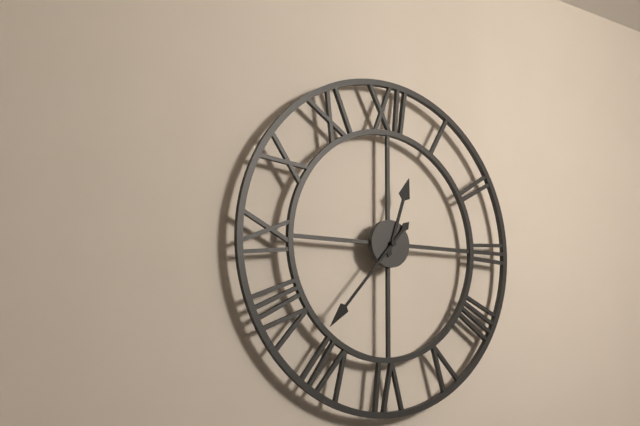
12 h 37 min
